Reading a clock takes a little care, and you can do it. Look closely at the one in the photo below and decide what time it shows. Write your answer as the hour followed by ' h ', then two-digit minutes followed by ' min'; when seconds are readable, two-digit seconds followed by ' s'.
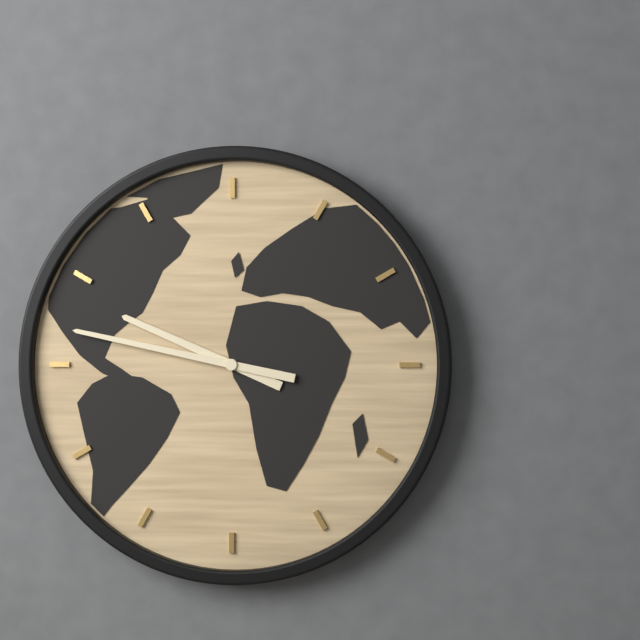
9 h 47 min
